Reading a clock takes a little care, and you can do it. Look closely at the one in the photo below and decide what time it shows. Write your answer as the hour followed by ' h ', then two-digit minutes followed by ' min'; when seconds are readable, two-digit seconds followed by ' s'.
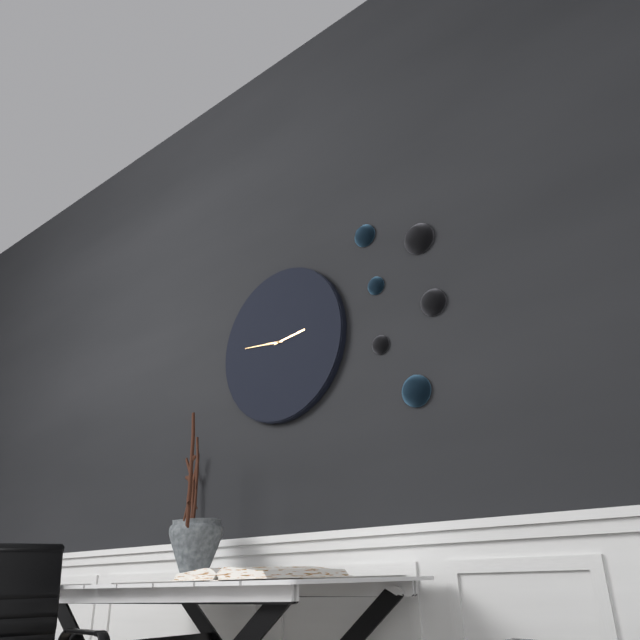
2 h 46 min
